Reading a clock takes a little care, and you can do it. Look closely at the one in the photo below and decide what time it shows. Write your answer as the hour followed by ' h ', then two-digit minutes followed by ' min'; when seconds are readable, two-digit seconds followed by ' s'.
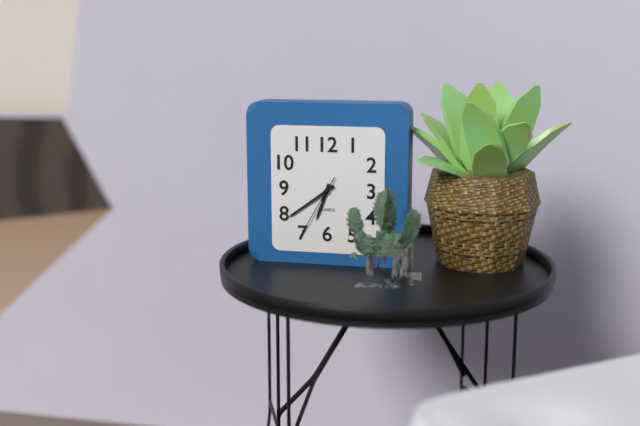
6 h 39 min 35 s
